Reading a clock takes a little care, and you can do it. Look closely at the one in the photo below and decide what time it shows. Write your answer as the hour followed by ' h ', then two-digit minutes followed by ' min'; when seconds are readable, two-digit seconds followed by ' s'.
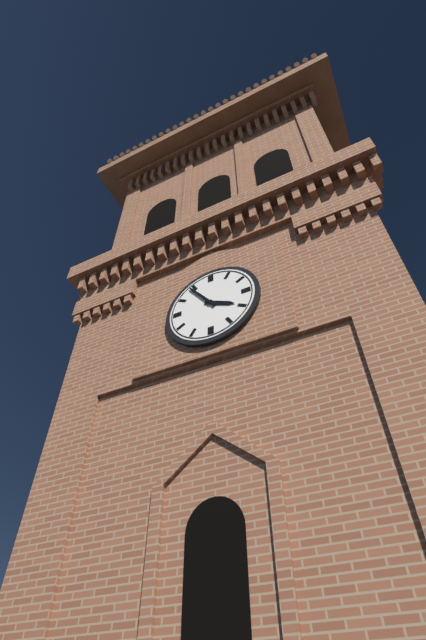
3 h 54 min
